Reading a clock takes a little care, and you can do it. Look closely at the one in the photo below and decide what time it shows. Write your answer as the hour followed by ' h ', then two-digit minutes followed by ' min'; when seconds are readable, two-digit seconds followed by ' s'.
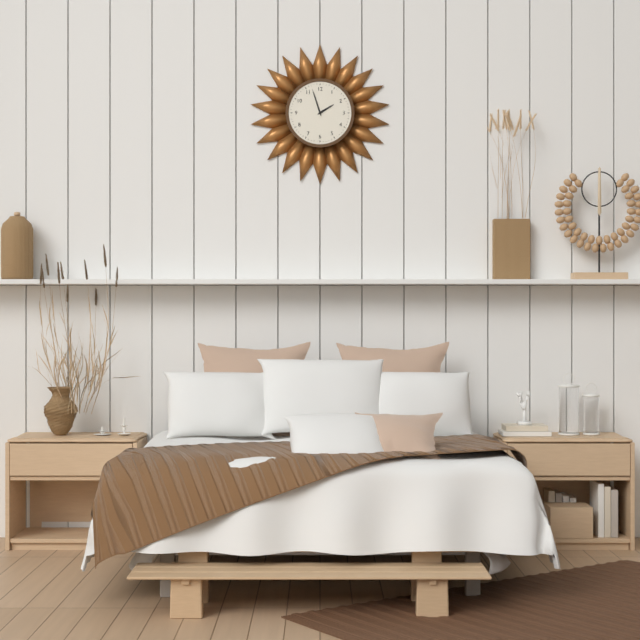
1 h 57 min
